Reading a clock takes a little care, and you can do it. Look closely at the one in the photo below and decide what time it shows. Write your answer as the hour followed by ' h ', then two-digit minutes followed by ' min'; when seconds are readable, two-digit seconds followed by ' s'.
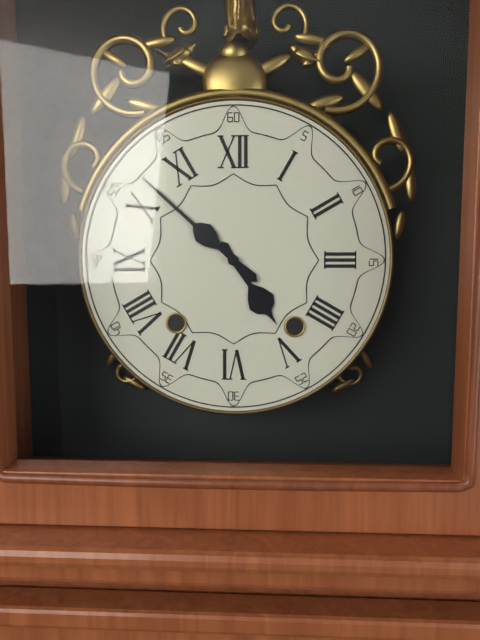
4 h 52 min
